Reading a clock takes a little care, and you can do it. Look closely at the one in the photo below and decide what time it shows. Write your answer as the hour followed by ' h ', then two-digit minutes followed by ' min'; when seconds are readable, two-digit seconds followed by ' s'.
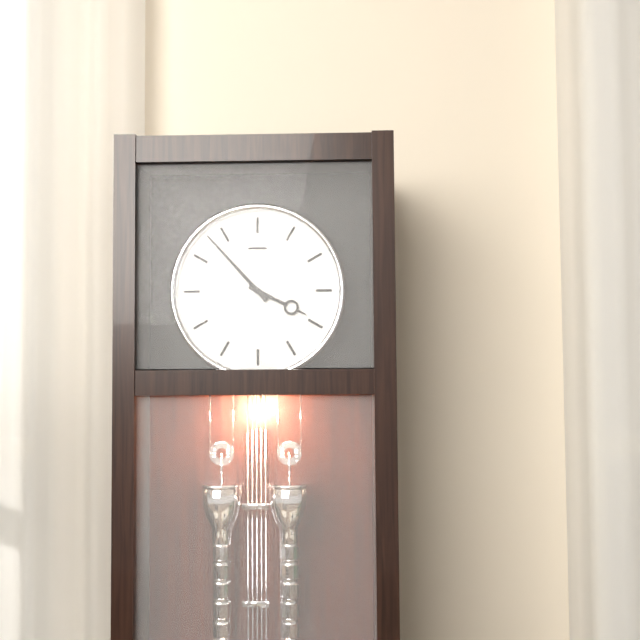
3 h 53 min
